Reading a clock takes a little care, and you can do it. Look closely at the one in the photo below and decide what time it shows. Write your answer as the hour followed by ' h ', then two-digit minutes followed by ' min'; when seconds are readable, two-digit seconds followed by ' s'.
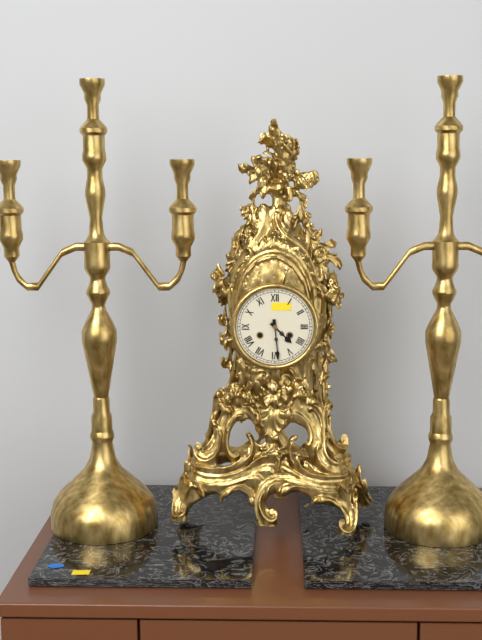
4 h 29 min
